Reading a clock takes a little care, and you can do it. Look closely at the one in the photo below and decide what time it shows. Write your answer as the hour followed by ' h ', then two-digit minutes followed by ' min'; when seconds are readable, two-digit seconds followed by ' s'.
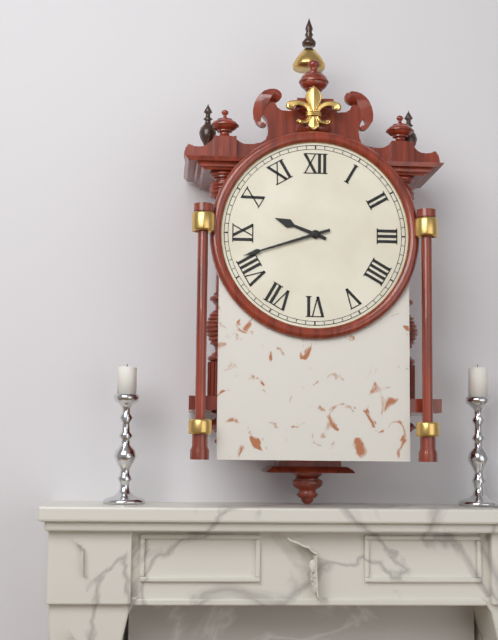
9 h 42 min
